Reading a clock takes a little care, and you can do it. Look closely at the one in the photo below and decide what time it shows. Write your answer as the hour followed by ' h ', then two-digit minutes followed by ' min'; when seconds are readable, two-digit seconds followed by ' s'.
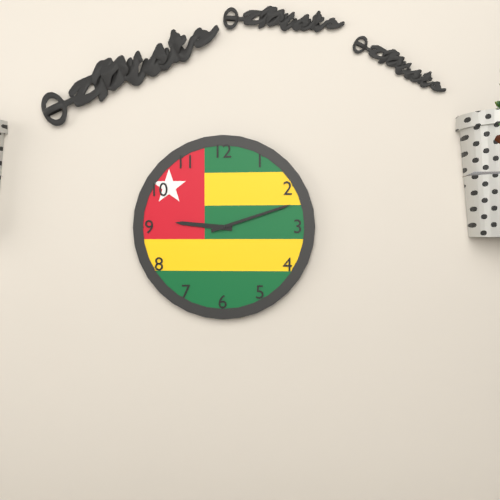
9 h 12 min
